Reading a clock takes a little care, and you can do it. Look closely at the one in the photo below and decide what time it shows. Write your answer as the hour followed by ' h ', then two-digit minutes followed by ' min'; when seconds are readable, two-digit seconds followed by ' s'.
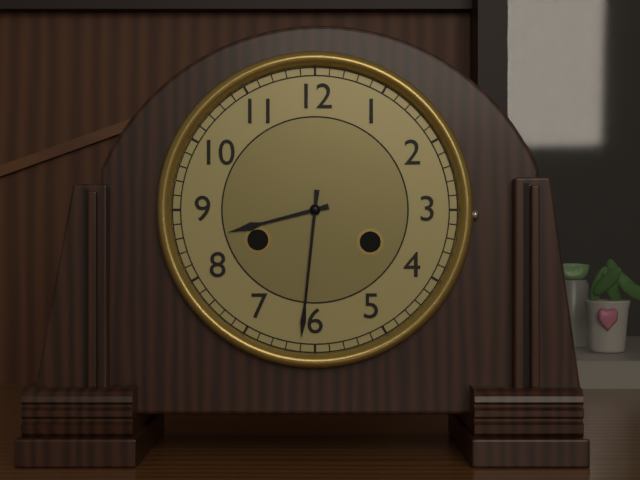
8 h 31 min
